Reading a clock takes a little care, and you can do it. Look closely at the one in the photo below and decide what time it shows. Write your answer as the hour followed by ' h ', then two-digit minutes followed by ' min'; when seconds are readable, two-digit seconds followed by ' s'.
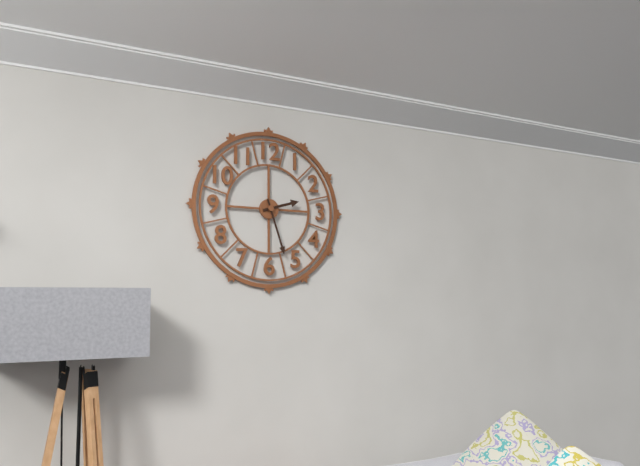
2 h 27 min
